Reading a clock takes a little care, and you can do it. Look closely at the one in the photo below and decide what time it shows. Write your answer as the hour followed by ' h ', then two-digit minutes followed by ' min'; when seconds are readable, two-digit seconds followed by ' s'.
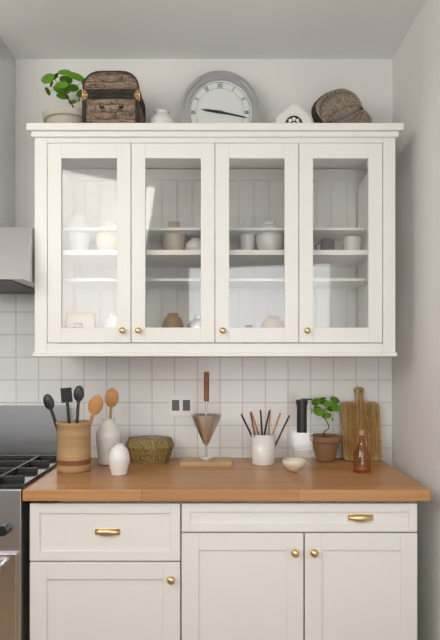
9 h 17 min
